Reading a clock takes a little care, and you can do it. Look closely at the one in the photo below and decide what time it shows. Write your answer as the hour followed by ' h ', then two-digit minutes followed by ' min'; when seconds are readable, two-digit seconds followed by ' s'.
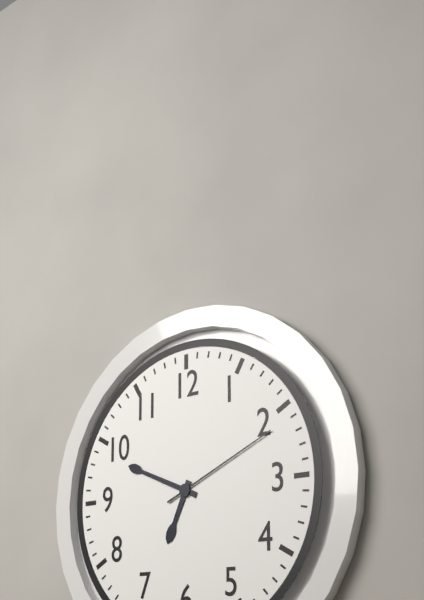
6 h 49 min 11 s
